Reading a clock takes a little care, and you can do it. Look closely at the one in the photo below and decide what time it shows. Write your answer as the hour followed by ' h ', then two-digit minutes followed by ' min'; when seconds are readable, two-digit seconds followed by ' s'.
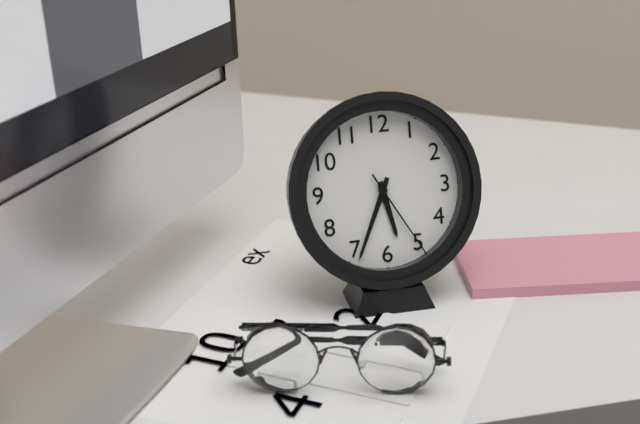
5 h 34 min 25 s
